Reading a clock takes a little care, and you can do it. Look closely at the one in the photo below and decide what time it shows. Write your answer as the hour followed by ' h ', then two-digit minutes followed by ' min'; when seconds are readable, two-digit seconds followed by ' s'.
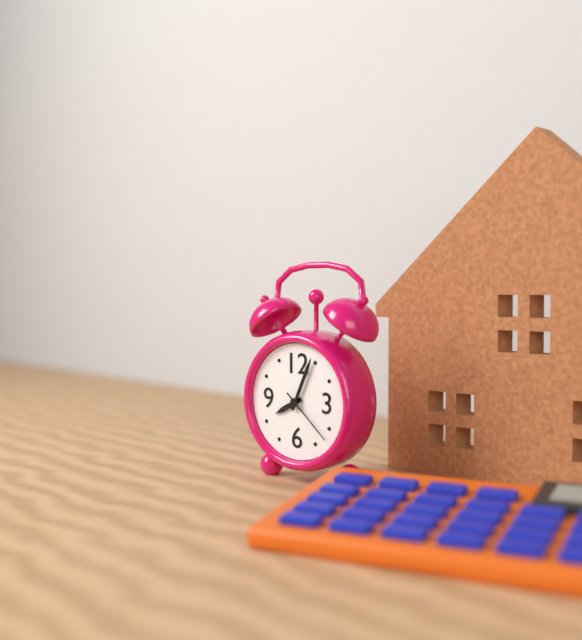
8 h 04 min 22 s
